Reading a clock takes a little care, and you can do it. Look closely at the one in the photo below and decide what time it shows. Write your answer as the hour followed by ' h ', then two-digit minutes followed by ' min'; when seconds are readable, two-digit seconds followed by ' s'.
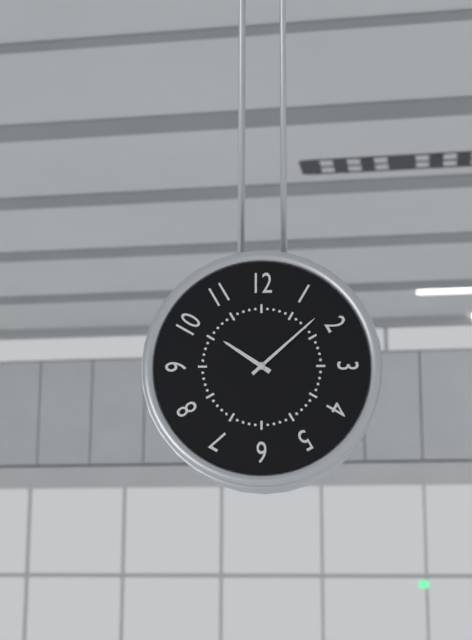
10 h 08 min
